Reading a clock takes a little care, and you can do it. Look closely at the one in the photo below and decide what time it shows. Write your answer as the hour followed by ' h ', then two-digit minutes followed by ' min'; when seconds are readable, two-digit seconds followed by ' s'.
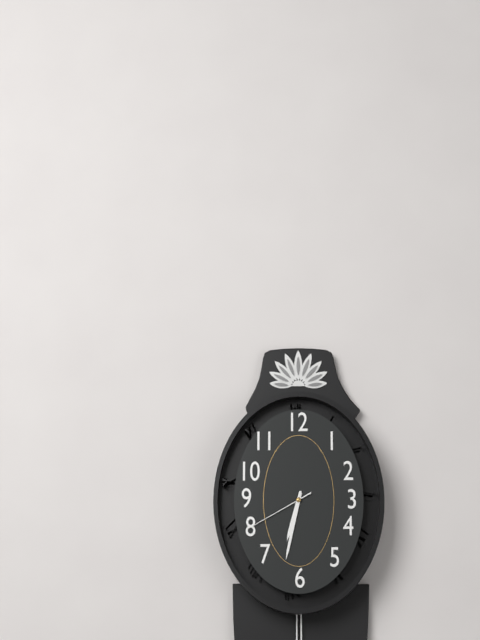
6 h 32 min 40 s
